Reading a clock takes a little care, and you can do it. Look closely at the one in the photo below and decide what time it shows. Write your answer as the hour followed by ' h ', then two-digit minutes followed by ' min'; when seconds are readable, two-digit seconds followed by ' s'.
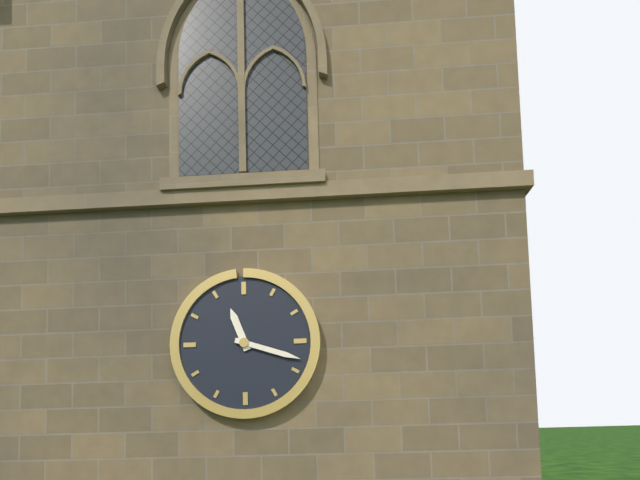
11 h 18 min
